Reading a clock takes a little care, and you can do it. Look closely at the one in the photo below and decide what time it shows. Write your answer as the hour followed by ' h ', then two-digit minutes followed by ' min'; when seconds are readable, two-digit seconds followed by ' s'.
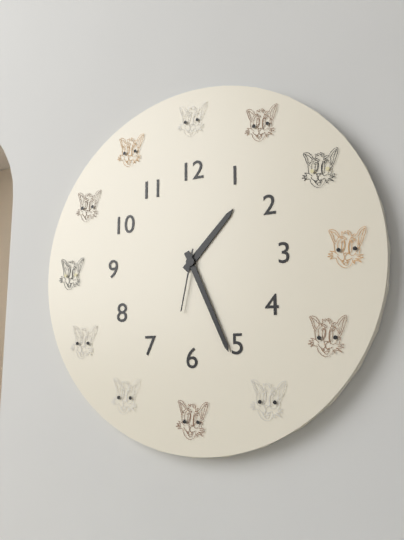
1 h 26 min 32 s
